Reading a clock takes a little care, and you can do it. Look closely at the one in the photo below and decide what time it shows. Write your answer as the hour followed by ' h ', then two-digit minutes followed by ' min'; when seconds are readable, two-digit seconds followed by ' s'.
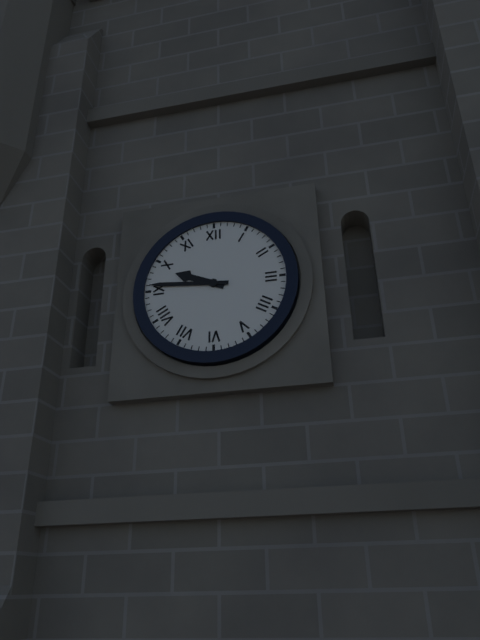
9 h 46 min
